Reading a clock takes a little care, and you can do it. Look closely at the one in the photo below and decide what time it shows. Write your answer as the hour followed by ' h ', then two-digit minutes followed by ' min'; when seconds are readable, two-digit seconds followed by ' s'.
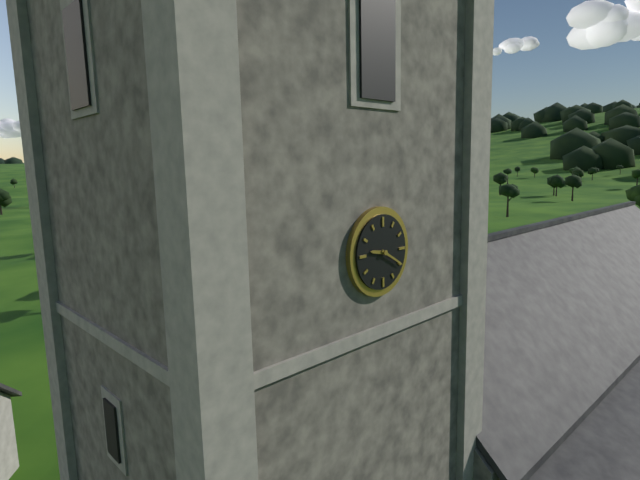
9 h 20 min
